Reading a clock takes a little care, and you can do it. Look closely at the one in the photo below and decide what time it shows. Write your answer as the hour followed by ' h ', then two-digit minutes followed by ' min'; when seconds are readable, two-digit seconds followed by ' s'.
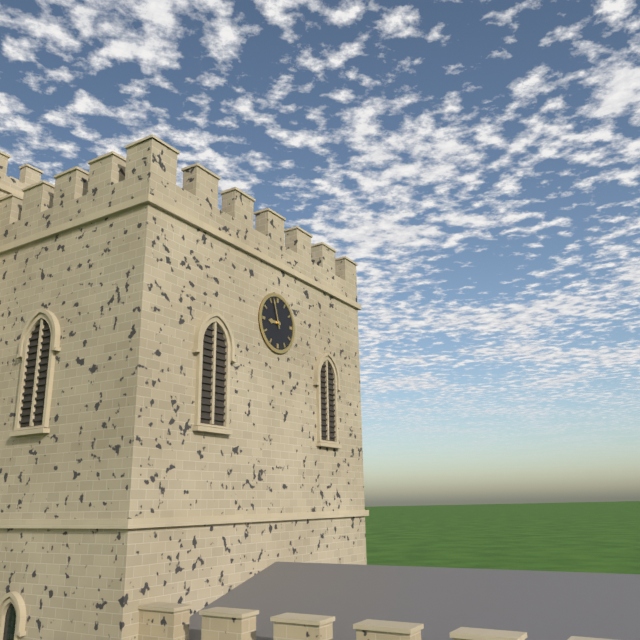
8 h 57 min
